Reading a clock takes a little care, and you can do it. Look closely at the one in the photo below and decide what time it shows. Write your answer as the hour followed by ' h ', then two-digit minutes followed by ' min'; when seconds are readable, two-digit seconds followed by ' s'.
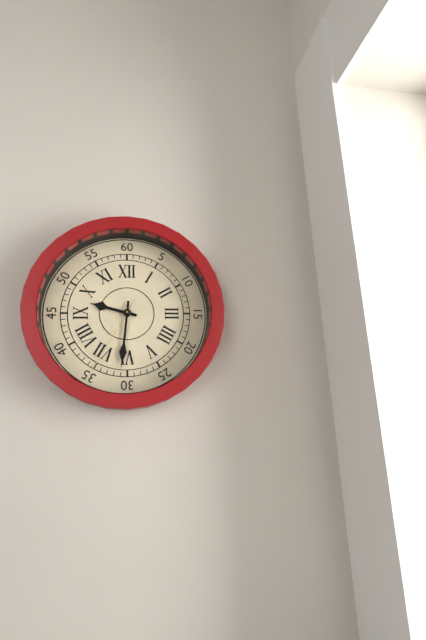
9 h 31 min 35 s
